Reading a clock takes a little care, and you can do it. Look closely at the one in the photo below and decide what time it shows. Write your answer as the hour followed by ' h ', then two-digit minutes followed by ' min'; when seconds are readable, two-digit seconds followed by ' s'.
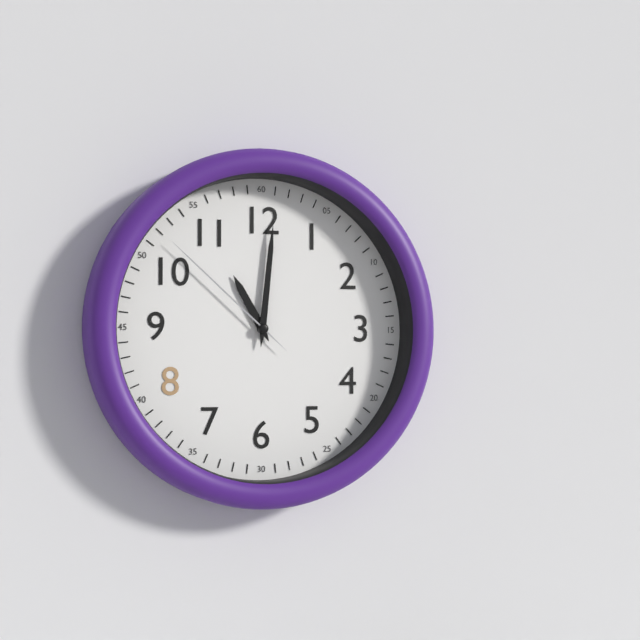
11 h 01 min 52 s
